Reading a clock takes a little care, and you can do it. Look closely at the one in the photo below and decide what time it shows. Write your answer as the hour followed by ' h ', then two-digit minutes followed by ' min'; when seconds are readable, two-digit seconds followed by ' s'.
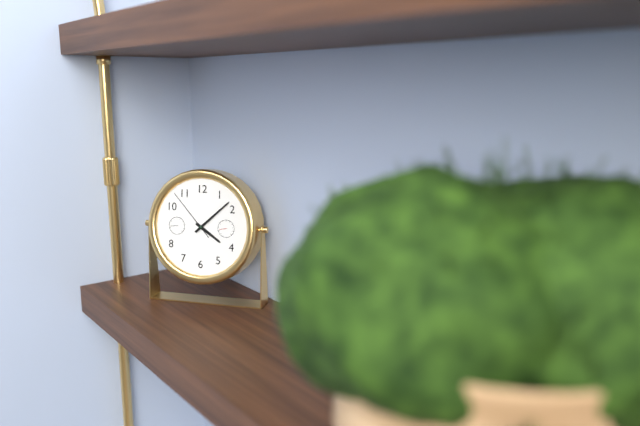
4 h 08 min 53 s
